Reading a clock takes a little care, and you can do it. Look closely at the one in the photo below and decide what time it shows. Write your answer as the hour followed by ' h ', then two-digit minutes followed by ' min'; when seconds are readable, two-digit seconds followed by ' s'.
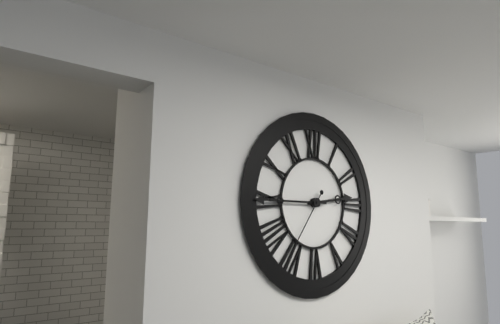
2 h 45 min 36 s
